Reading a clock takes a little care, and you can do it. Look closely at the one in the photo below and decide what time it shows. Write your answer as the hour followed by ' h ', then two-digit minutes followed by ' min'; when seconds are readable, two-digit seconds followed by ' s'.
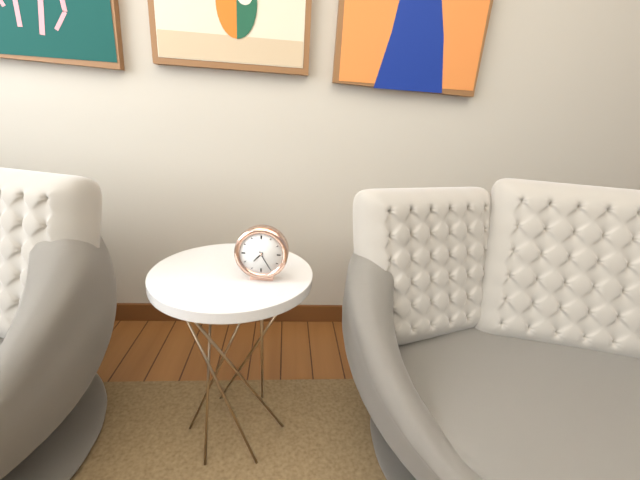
7 h 25 min
